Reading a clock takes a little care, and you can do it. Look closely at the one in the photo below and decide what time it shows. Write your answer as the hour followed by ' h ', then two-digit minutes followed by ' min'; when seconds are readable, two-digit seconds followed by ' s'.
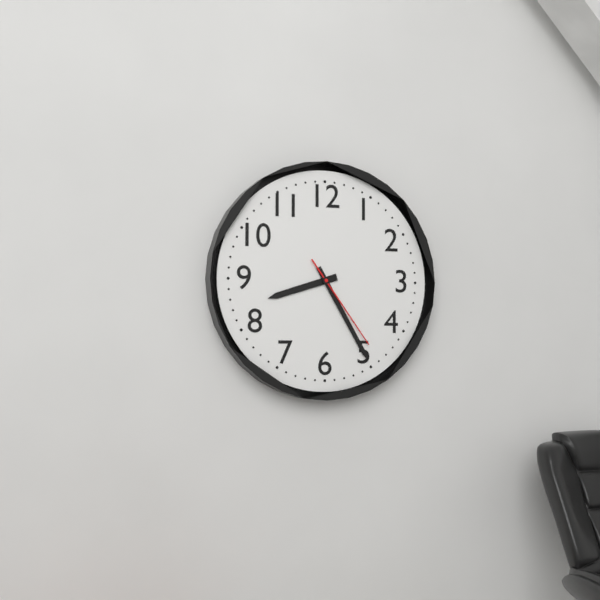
8 h 25 min 24 s
